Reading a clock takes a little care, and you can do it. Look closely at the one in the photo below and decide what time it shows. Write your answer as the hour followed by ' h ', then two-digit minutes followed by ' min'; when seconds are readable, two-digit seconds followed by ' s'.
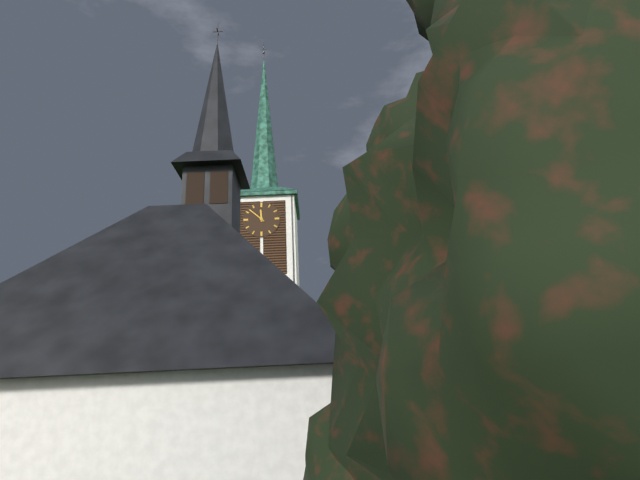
11 h 52 min
